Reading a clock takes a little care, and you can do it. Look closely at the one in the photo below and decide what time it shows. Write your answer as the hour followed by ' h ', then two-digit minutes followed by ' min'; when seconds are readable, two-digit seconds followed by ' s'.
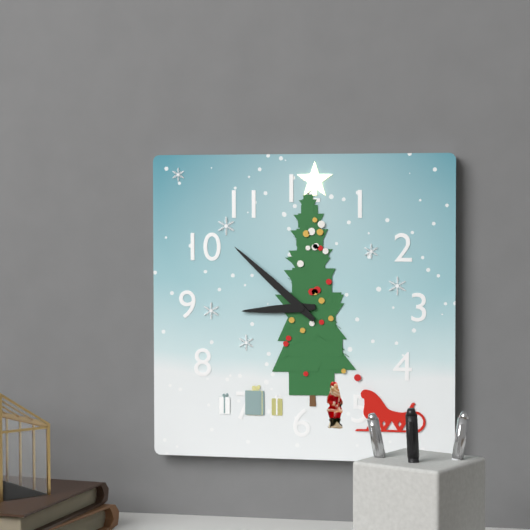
8 h 52 min
